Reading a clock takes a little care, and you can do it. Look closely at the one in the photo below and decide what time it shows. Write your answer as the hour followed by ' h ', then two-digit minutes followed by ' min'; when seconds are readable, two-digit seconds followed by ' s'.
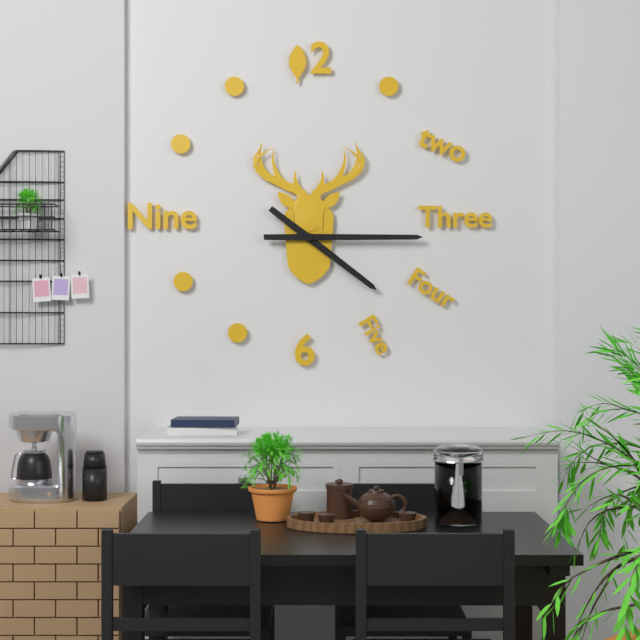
4 h 15 min
